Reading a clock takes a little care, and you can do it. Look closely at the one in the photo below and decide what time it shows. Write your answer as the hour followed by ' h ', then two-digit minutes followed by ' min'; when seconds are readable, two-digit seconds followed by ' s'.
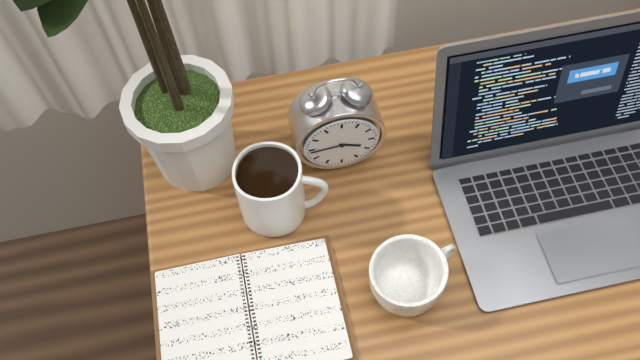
3 h 44 min
